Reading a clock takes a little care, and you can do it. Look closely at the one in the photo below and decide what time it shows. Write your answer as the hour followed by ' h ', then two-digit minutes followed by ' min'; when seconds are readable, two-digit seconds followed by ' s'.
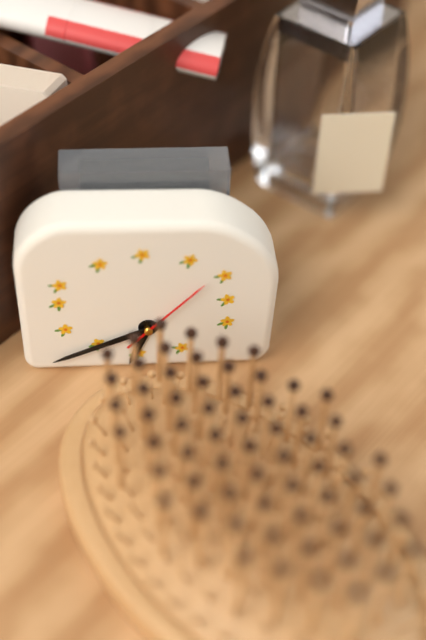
6 h 41 min 07 s
